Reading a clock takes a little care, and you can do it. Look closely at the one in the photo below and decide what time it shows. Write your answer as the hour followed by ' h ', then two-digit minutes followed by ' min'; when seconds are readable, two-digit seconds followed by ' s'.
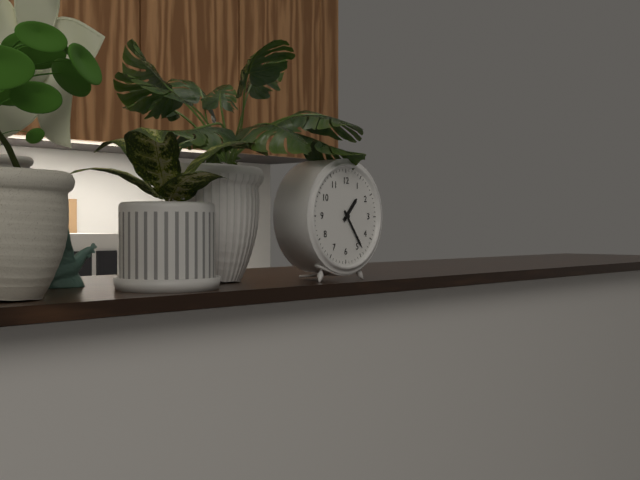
1 h 24 min
